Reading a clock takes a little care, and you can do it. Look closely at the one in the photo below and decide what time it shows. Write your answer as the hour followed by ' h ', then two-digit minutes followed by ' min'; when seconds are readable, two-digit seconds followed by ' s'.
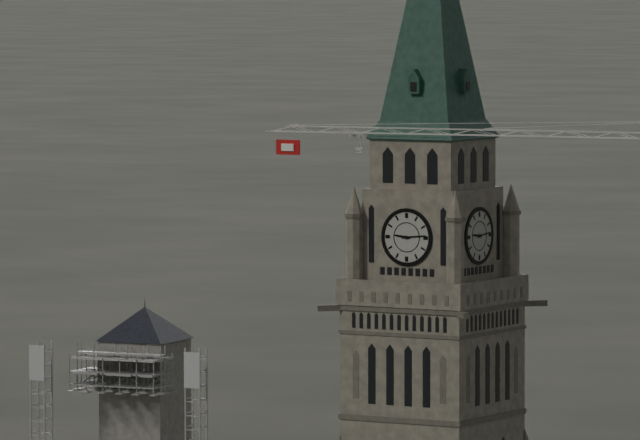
9 h 14 min
